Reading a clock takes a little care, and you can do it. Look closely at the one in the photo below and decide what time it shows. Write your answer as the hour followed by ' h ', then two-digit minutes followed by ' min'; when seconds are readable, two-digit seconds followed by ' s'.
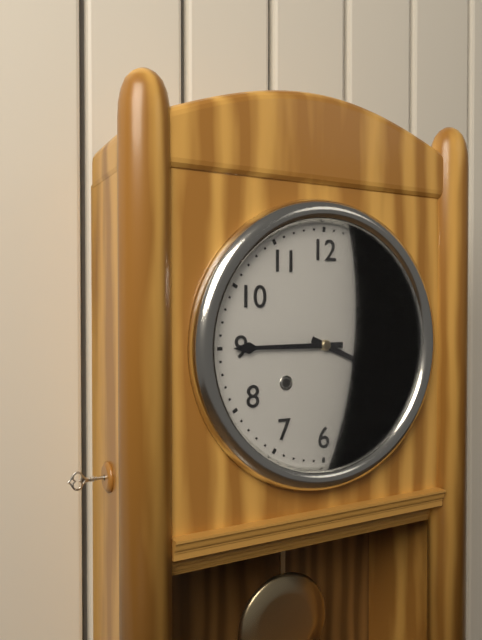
3 h 45 min
